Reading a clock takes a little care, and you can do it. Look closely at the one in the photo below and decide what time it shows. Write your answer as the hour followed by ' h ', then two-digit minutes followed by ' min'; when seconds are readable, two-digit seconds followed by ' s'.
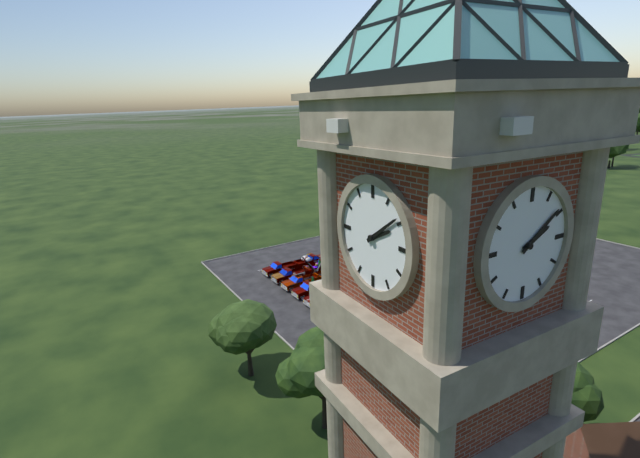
2 h 09 min
